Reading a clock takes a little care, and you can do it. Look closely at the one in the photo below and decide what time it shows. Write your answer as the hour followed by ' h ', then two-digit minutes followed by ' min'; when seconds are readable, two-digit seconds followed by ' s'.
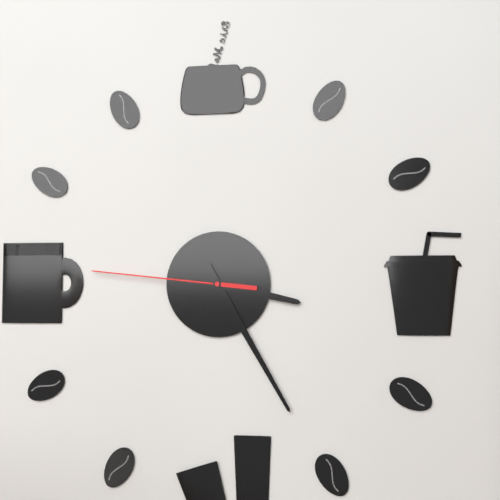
3 h 25 min 46 s
